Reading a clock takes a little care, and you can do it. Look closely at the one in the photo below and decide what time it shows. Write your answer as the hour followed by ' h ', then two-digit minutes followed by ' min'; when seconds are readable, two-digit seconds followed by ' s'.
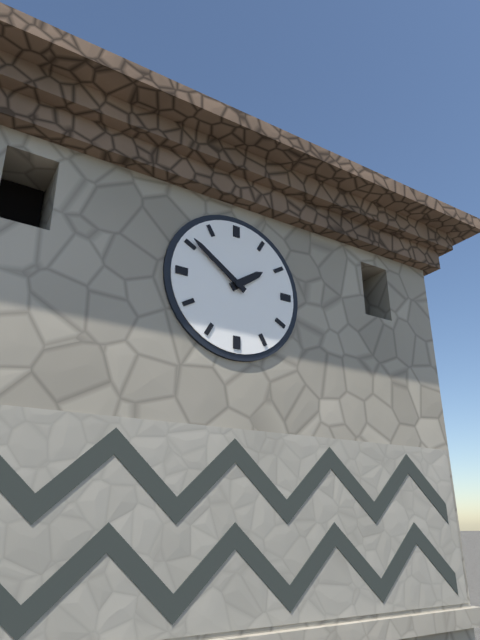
1 h 51 min
